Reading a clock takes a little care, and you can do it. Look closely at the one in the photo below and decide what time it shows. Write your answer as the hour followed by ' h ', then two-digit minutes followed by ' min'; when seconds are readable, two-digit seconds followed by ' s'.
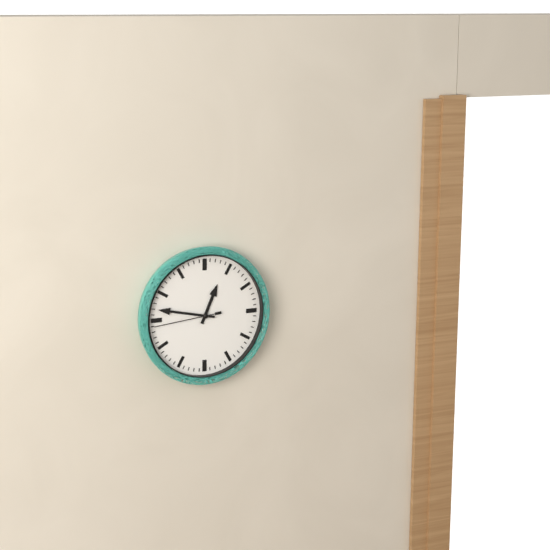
12 h 47 min 44 s
